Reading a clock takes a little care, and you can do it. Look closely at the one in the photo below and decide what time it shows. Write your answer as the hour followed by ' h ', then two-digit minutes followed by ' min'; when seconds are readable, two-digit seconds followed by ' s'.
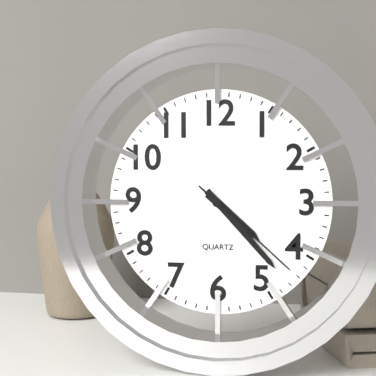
4 h 23 min 22 s
